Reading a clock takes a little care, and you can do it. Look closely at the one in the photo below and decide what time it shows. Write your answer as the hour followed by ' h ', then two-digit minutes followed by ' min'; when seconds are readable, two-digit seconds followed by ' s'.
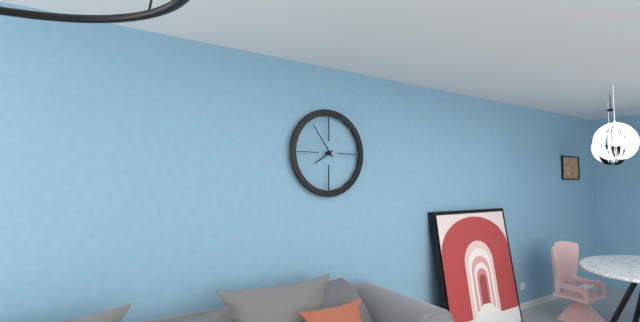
7 h 54 min
